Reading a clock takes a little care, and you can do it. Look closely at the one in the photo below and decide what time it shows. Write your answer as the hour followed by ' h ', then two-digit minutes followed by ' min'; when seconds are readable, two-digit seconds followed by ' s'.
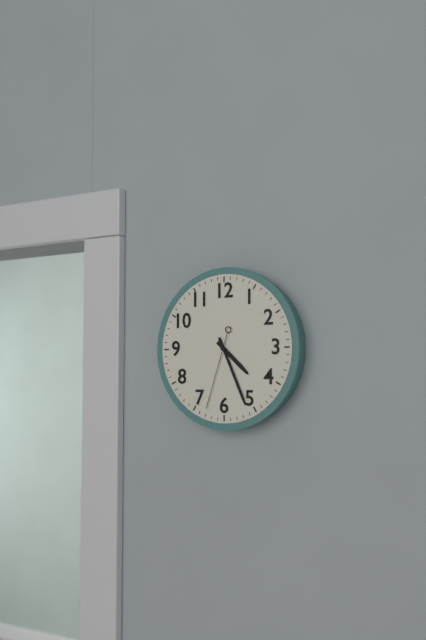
4 h 26 min 33 s
